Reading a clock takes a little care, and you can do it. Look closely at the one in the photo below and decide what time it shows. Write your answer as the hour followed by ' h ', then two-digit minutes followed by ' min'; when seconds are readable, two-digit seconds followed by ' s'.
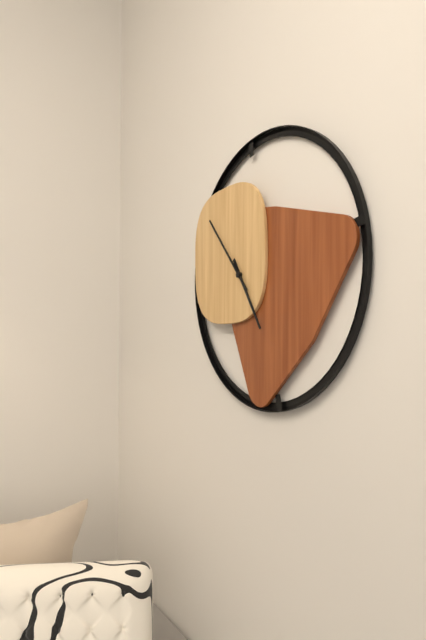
4 h 53 min
